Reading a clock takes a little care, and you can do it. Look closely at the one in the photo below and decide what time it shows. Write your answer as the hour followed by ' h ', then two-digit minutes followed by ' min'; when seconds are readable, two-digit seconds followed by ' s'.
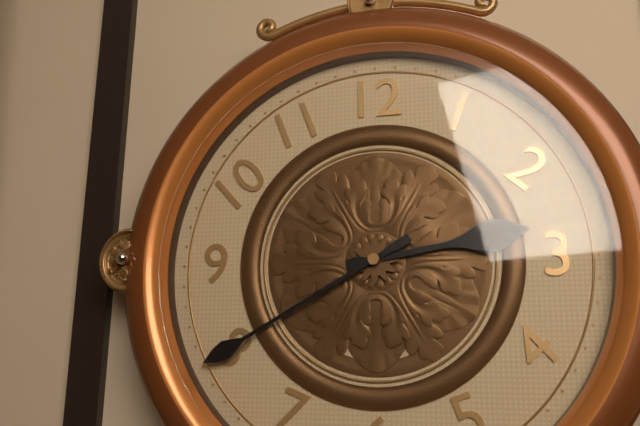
2 h 40 min
